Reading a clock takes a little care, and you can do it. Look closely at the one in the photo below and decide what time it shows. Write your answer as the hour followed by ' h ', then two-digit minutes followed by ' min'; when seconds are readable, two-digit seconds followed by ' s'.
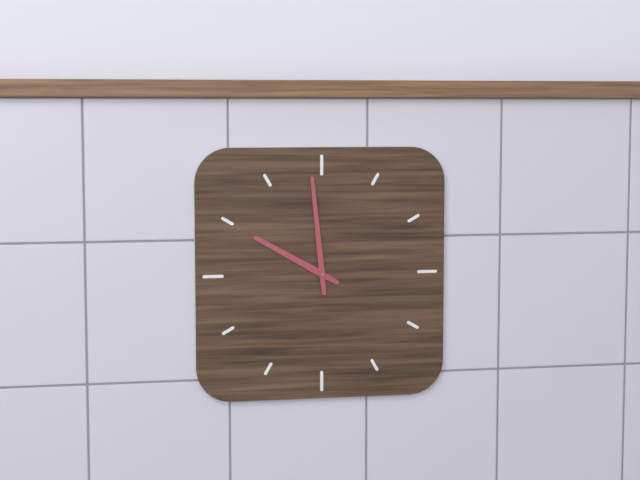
9 h 59 min
